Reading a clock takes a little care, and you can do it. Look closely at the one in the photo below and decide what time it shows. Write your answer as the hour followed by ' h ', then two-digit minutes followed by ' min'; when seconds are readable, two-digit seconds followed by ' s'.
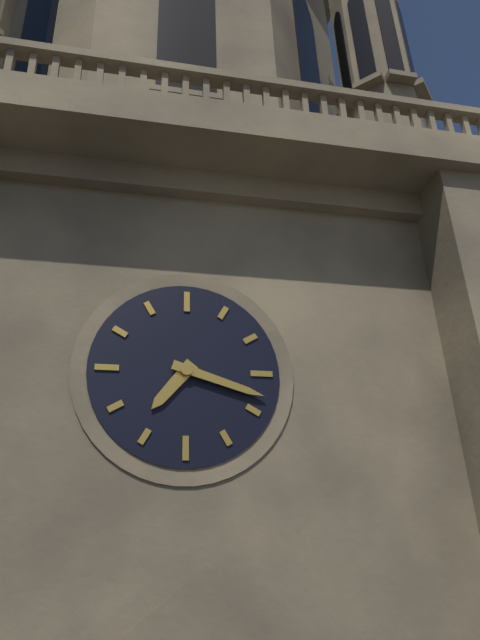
7 h 18 min
